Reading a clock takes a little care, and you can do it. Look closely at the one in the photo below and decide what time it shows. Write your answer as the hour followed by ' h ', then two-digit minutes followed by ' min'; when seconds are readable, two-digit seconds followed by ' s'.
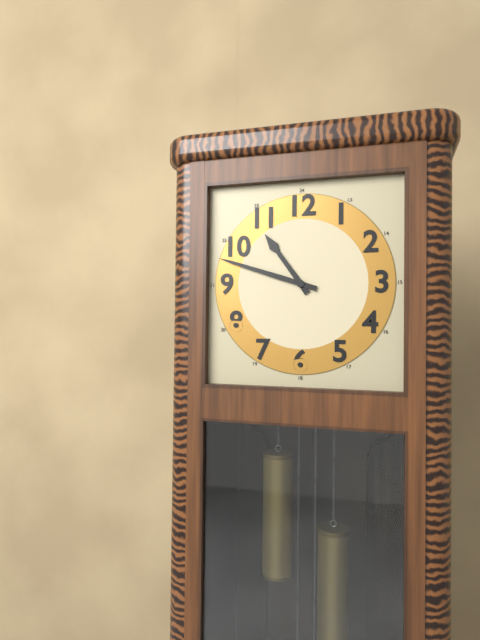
10 h 48 min
